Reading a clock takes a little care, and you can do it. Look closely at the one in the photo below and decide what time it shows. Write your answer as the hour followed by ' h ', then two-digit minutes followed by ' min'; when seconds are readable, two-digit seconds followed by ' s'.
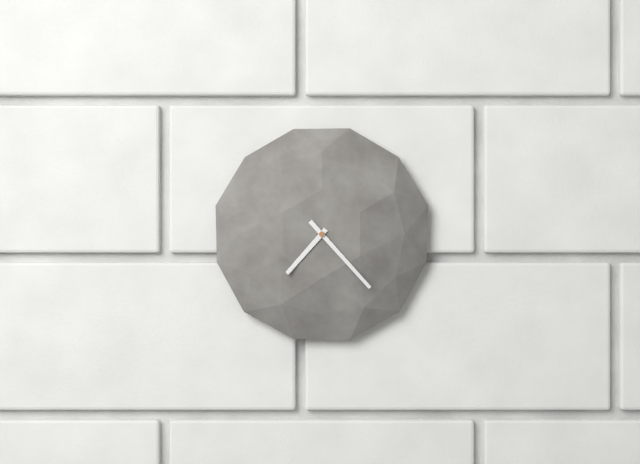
7 h 23 min
